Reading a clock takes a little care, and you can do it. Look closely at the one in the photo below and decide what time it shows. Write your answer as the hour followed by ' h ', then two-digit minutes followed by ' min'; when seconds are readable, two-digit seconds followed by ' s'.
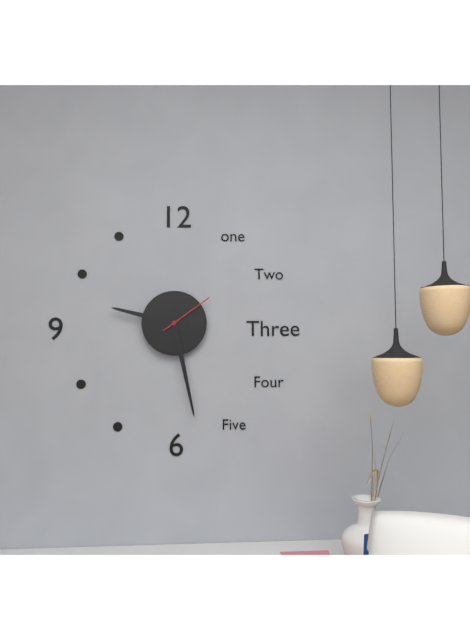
9 h 28 min 09 s
